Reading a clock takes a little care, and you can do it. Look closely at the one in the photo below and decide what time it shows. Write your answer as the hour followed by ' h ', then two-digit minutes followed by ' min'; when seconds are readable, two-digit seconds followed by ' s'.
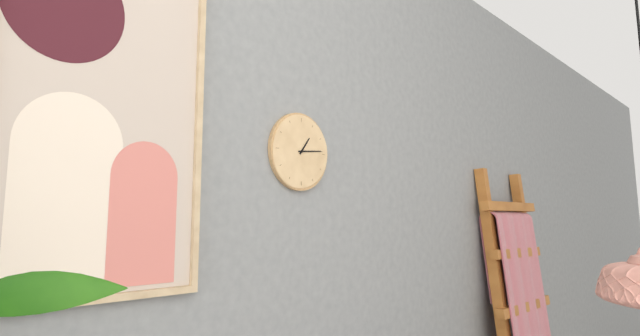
1 h 14 min
